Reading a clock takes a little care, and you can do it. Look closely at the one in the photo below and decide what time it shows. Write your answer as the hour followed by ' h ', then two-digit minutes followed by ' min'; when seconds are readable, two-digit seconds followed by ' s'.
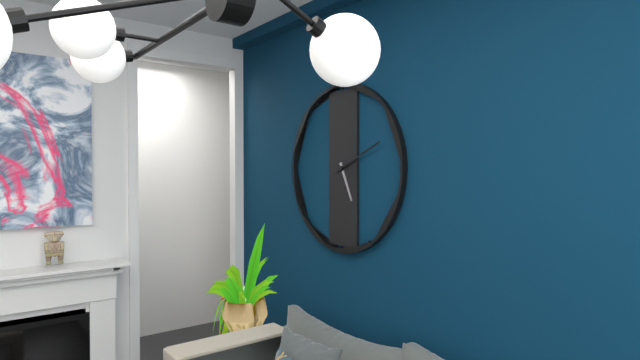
5 h 11 min
